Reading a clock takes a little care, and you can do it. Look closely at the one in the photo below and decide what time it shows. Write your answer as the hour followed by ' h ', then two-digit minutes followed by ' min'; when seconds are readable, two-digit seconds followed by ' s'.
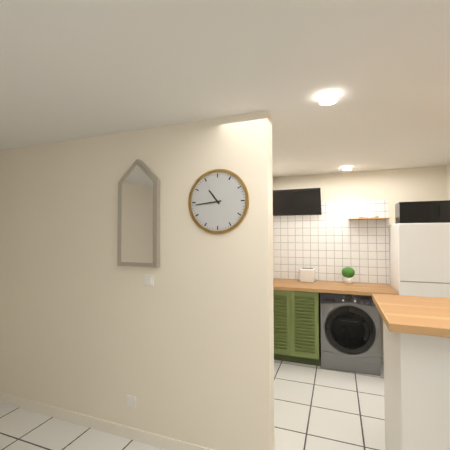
10 h 44 min
